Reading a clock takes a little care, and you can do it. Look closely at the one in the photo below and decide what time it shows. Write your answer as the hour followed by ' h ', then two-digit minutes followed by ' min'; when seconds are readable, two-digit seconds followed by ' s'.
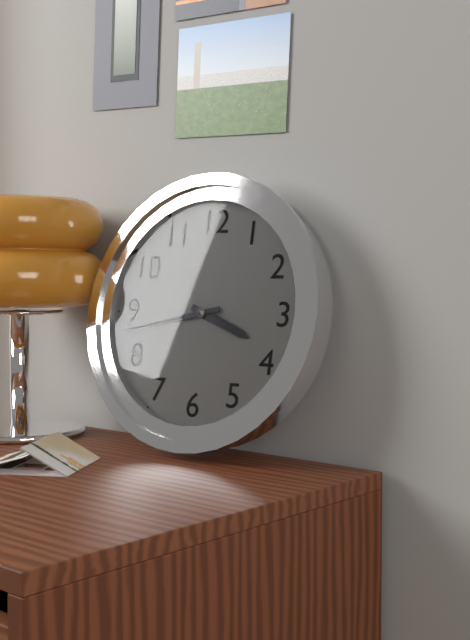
3 h 43 min
